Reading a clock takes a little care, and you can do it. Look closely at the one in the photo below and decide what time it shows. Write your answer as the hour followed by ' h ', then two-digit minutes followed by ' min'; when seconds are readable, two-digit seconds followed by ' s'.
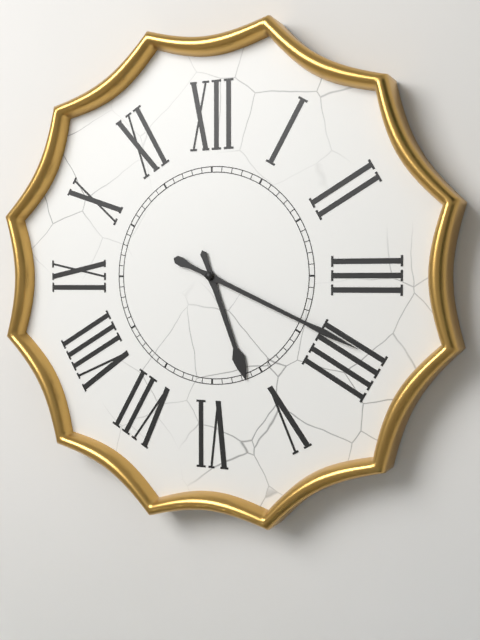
5 h 19 min
